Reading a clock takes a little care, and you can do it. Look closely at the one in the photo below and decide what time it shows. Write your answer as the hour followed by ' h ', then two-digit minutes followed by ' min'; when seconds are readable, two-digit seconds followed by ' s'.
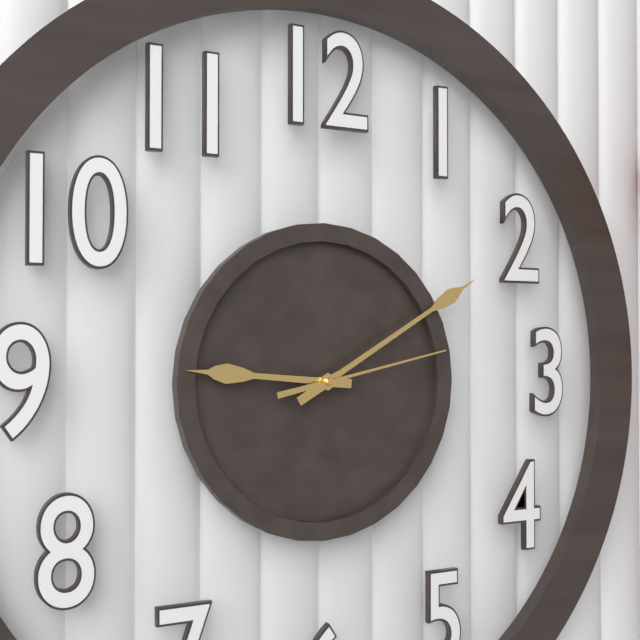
9 h 10 min 13 s
